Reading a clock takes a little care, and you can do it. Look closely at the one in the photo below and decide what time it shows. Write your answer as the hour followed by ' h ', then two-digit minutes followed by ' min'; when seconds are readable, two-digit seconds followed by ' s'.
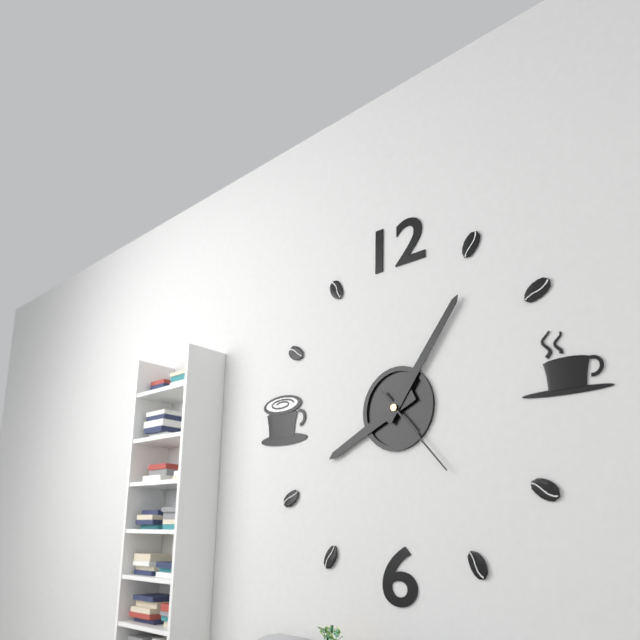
8 h 06 min 23 s
